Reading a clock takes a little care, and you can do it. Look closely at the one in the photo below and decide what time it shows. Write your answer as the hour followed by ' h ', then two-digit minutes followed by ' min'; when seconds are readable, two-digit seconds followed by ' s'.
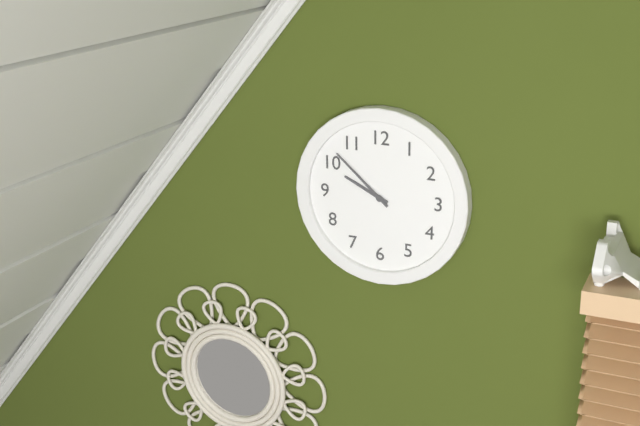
9 h 52 min
